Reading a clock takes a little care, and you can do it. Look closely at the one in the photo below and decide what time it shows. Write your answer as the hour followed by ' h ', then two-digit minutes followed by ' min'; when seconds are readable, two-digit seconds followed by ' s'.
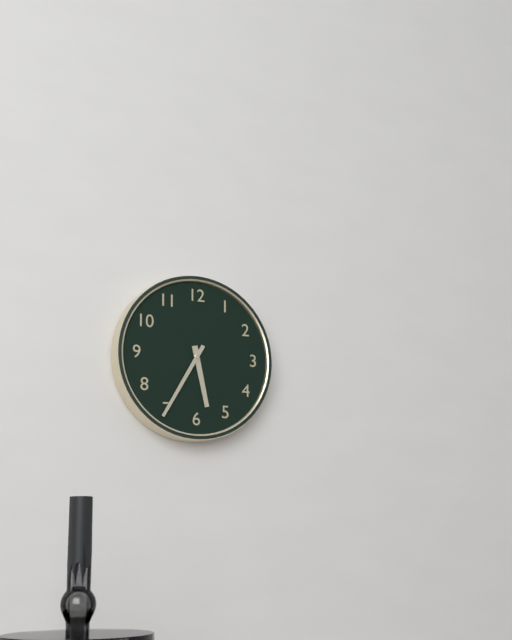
5 h 35 min
